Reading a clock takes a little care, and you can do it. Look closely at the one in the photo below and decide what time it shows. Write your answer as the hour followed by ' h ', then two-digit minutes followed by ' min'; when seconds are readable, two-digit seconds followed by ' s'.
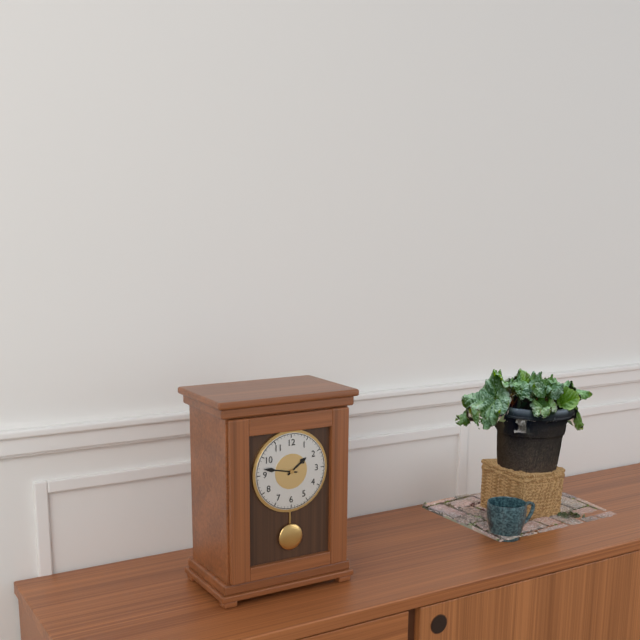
1 h 47 min
